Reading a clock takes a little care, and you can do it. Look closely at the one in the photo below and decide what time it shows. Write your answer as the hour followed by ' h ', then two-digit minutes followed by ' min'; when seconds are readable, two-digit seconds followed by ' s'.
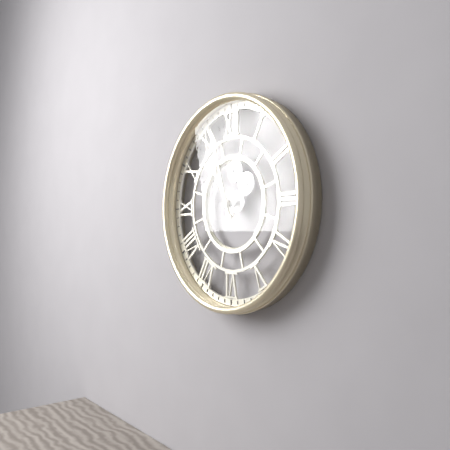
10 h 57 min
